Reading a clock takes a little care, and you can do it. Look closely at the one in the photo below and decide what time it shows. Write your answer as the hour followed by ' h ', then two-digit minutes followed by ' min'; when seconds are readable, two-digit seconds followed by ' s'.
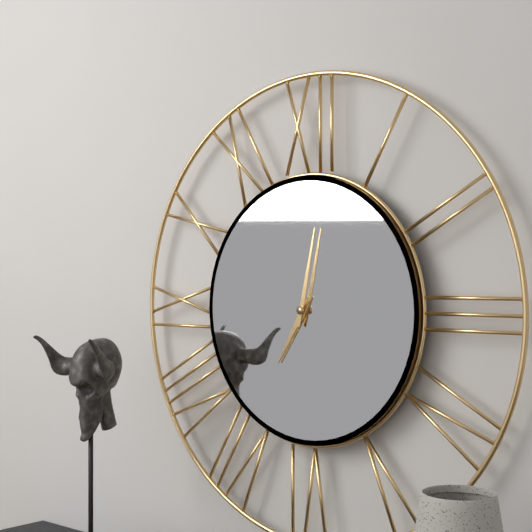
7 h 02 min
